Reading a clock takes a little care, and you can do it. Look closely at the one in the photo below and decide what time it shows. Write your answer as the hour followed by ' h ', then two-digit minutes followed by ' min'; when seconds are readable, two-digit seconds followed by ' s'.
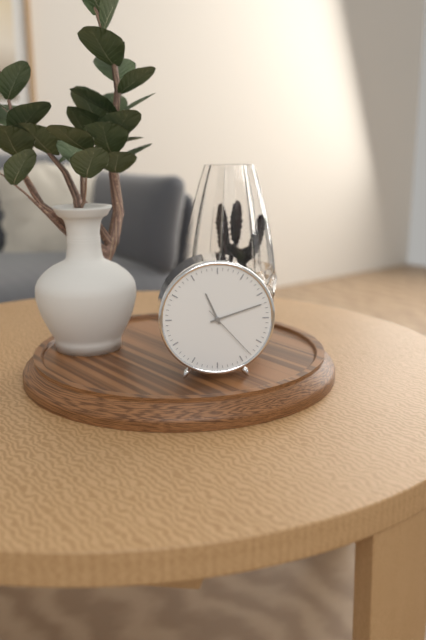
11 h 12 min 23 s
